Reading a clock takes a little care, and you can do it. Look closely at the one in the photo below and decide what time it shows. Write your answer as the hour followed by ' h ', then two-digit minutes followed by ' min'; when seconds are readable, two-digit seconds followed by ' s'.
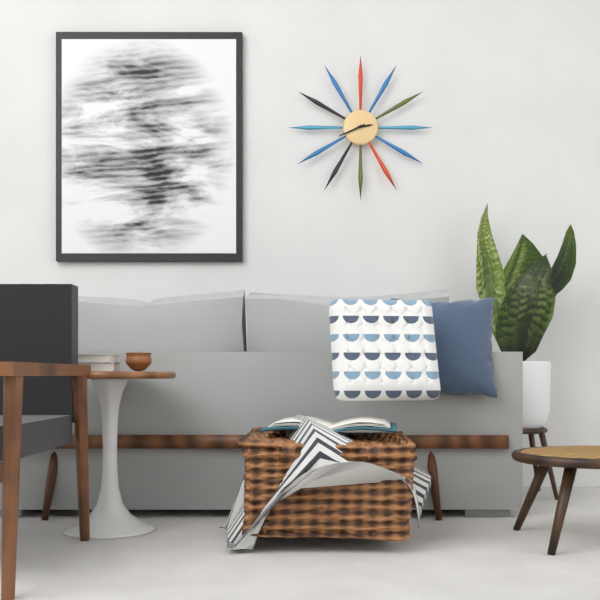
2 h 41 min
